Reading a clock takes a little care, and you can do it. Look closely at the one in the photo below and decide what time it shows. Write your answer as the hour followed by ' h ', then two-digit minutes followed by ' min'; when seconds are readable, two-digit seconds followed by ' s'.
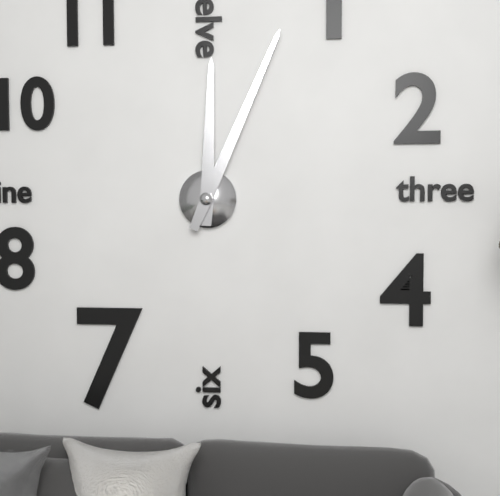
12 h 04 min
